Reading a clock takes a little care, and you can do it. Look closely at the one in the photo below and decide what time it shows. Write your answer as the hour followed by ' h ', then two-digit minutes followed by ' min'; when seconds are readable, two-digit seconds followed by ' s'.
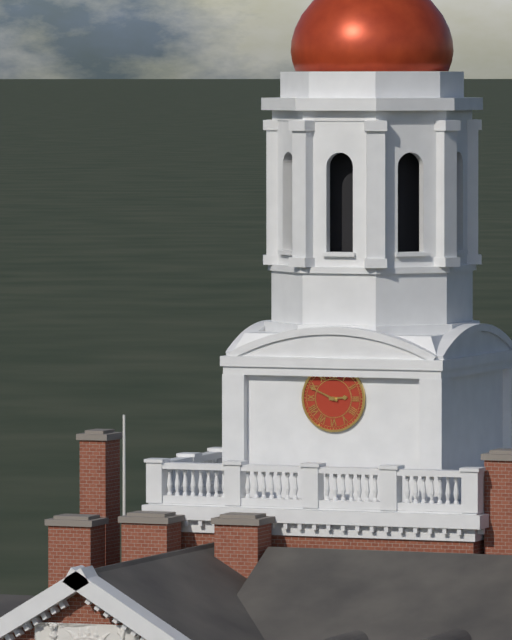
2 h 49 min
